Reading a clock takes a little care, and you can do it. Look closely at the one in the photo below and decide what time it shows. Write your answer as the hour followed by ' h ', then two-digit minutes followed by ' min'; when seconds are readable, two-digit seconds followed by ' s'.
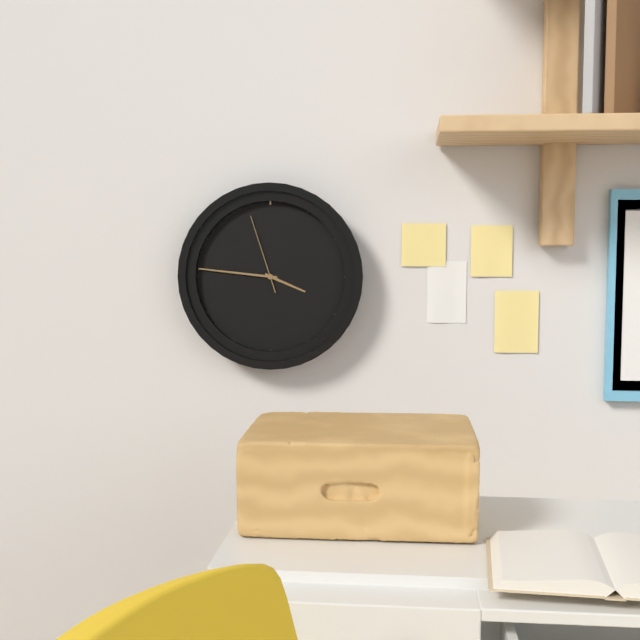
3 h 46 min 57 s
